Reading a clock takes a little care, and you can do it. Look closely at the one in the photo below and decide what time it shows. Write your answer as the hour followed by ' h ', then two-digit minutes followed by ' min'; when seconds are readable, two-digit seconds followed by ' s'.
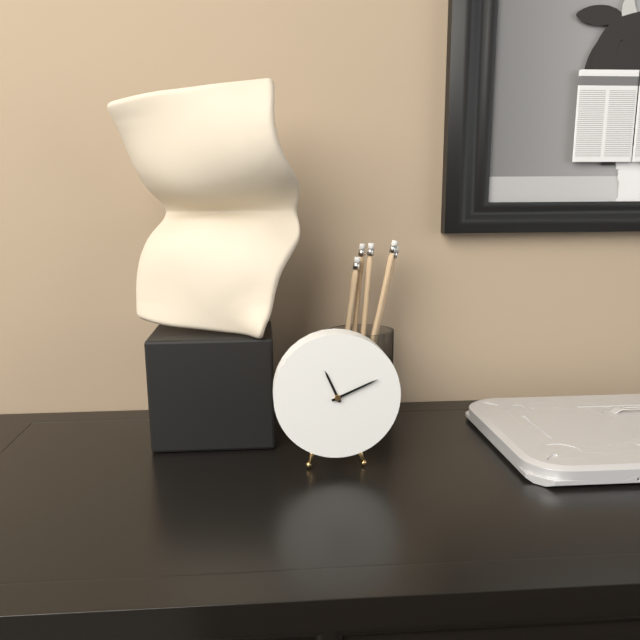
11 h 11 min
